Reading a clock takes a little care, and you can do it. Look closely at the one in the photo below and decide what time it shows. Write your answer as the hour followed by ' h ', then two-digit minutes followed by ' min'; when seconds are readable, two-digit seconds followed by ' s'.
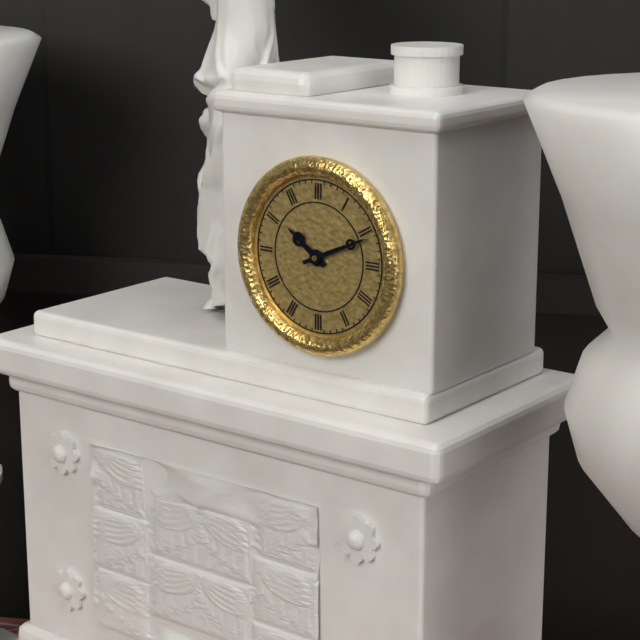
10 h 11 min
